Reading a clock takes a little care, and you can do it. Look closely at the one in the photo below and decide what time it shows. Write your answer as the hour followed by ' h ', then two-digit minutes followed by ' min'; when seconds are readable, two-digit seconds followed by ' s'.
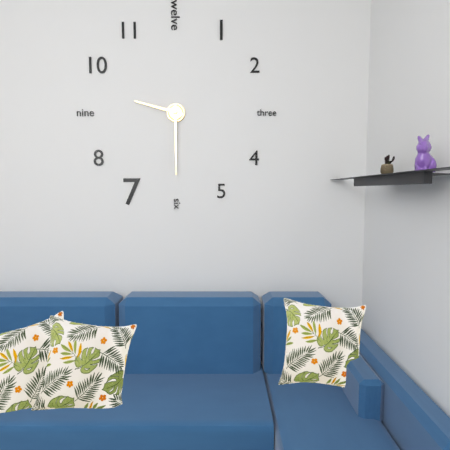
9 h 30 min
